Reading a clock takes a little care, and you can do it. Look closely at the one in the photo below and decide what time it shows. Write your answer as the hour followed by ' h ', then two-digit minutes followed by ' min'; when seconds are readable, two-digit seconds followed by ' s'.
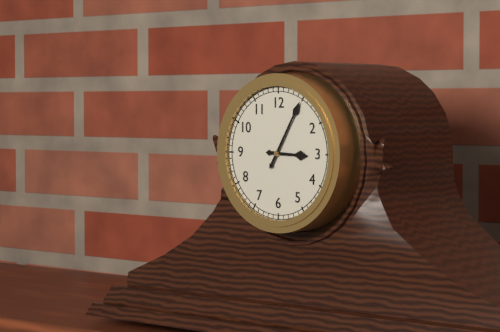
3 h 05 min
